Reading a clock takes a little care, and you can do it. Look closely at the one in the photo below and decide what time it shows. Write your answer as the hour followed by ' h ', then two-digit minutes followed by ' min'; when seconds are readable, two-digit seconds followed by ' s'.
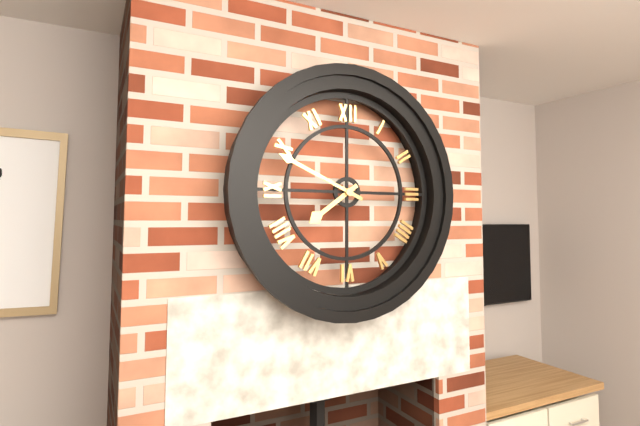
7 h 49 min
